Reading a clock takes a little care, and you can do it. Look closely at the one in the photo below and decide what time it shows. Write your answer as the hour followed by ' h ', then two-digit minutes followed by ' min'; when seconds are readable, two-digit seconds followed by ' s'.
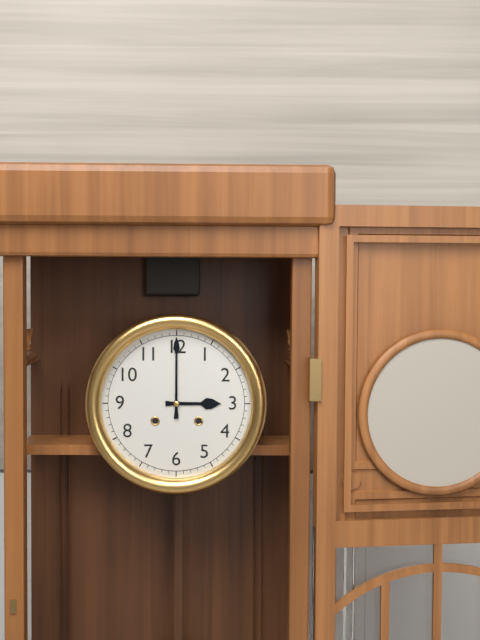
3 h 00 min
